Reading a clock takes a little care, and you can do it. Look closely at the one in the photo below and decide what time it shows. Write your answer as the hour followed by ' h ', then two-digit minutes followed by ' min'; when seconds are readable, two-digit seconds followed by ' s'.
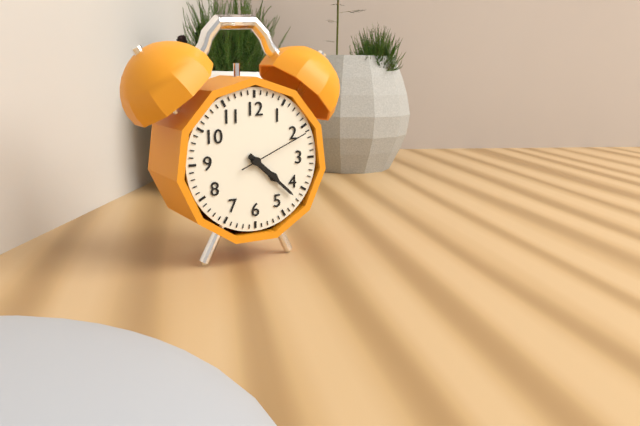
4 h 22 min 11 s
